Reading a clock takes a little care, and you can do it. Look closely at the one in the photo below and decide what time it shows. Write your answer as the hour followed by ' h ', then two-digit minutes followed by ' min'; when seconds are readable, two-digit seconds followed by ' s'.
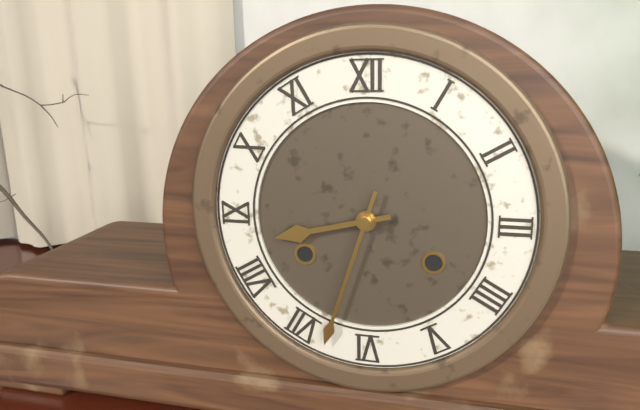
8 h 33 min
